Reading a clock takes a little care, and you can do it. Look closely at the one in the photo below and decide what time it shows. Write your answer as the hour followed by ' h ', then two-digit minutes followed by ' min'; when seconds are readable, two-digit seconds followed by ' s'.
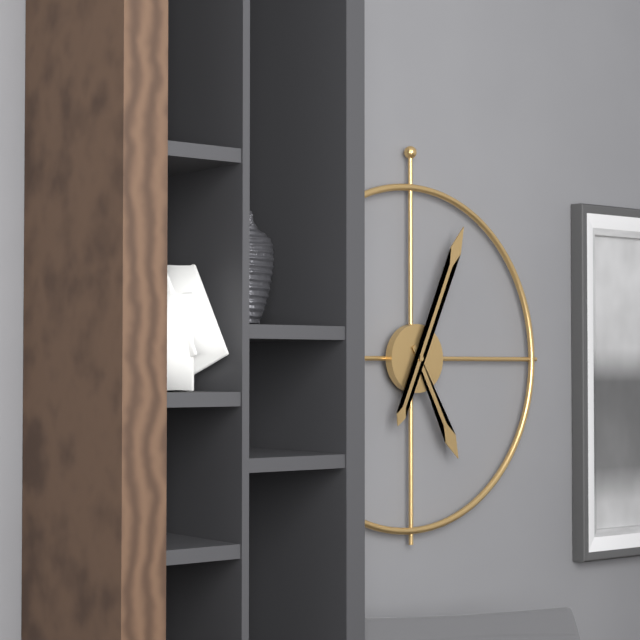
5 h 04 min
